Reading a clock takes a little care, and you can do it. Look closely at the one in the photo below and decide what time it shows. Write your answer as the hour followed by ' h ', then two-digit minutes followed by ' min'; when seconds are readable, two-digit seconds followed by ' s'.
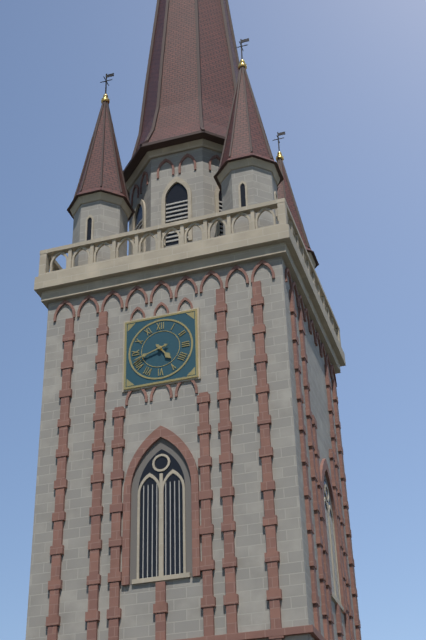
4 h 42 min
